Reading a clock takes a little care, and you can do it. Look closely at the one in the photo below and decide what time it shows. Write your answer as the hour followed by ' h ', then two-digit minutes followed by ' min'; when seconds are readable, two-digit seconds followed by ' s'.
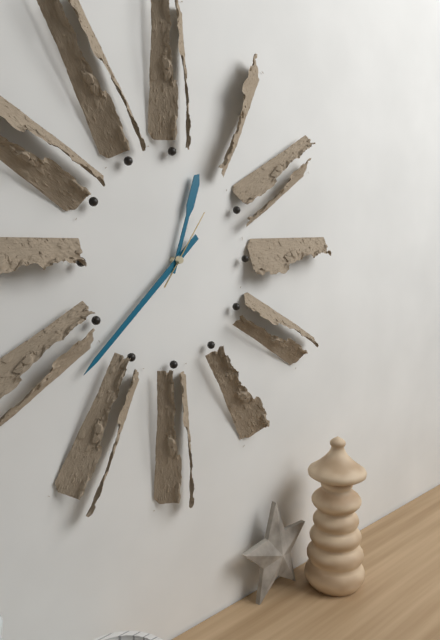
12 h 38 min 06 s
